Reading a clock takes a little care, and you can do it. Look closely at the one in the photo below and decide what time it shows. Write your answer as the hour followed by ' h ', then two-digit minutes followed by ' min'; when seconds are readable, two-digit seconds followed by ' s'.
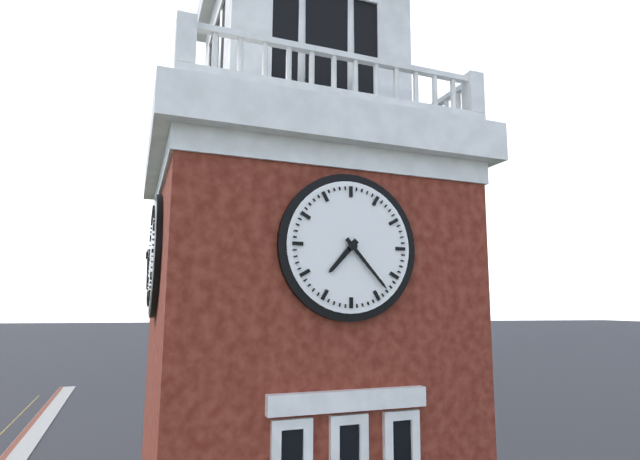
7 h 23 min
